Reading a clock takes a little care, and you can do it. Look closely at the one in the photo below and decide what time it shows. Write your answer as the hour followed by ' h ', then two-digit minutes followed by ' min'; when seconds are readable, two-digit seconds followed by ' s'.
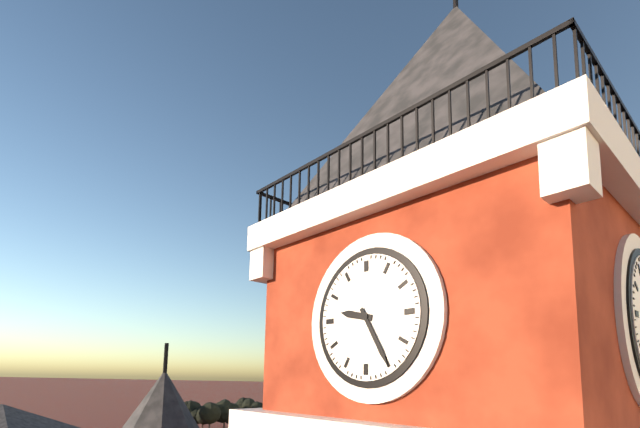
9 h 25 min
